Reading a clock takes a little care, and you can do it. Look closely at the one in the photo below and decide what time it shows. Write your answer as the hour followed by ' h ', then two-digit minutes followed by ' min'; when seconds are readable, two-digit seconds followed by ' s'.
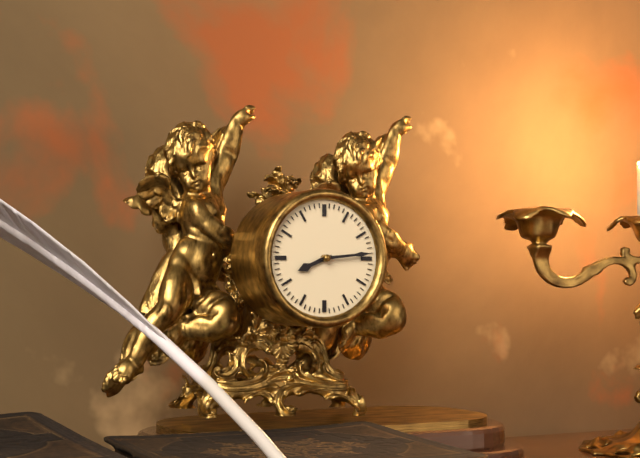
8 h 14 min
